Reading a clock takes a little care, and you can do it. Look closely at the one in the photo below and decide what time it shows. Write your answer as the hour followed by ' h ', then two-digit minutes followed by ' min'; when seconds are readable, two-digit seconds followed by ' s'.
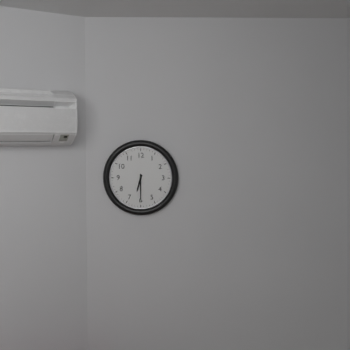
6 h 30 min
